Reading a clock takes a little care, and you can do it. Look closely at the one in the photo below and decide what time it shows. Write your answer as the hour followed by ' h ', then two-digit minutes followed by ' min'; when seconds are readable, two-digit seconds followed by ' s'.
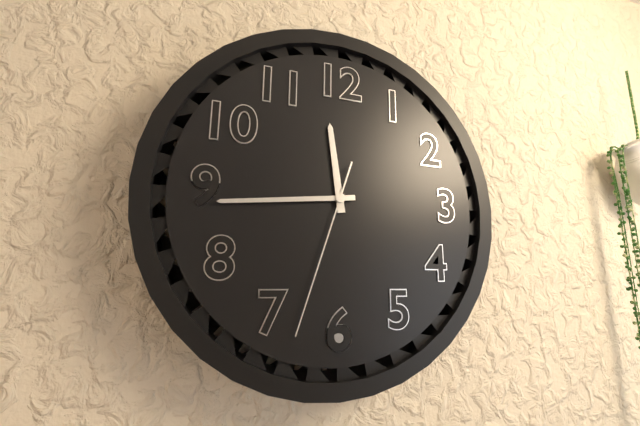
11 h 44 min 33 s
